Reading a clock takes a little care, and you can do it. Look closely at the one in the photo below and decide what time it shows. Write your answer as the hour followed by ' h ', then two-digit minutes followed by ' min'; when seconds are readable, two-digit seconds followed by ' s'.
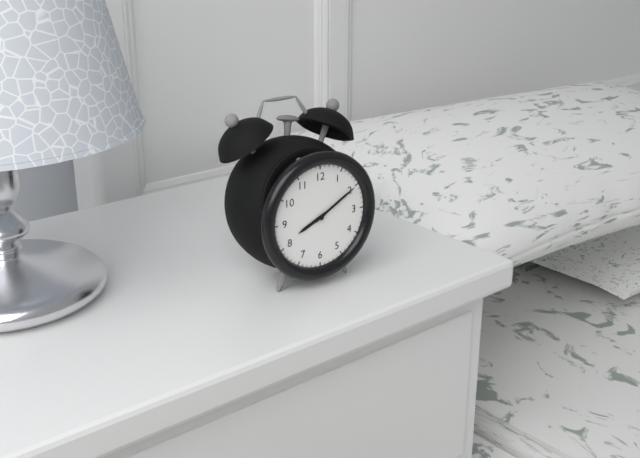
8 h 10 min
